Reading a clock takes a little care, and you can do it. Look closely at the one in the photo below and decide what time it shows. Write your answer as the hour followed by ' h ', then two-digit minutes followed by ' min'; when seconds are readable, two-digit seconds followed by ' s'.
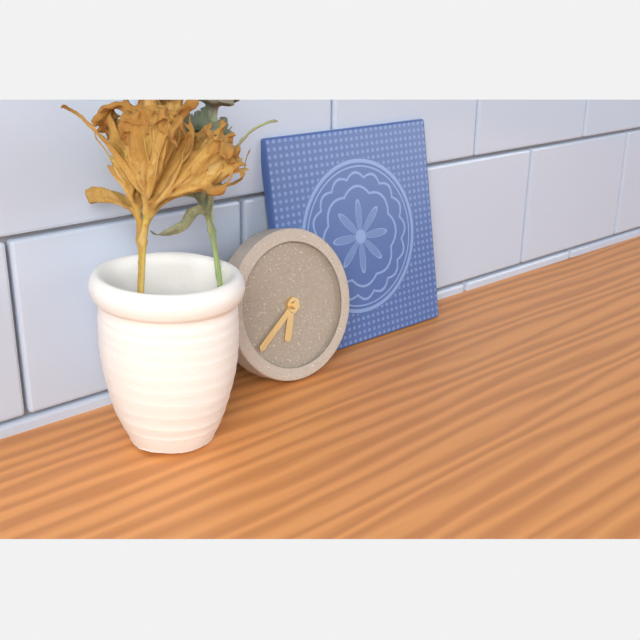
6 h 39 min
